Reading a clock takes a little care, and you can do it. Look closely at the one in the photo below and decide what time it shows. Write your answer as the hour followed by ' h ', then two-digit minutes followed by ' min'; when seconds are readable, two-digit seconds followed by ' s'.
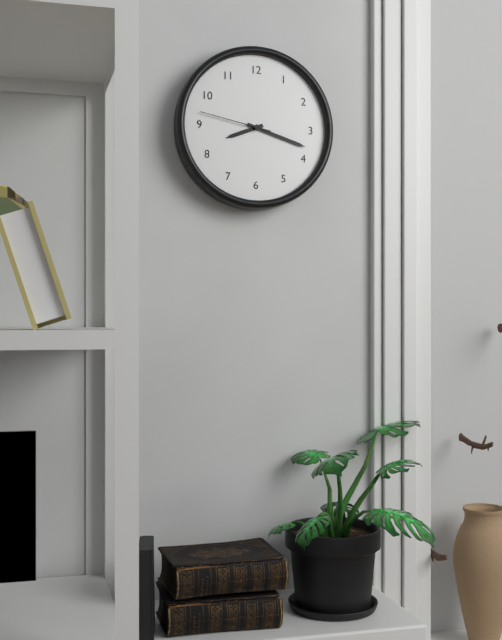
8 h 18 min 47 s
